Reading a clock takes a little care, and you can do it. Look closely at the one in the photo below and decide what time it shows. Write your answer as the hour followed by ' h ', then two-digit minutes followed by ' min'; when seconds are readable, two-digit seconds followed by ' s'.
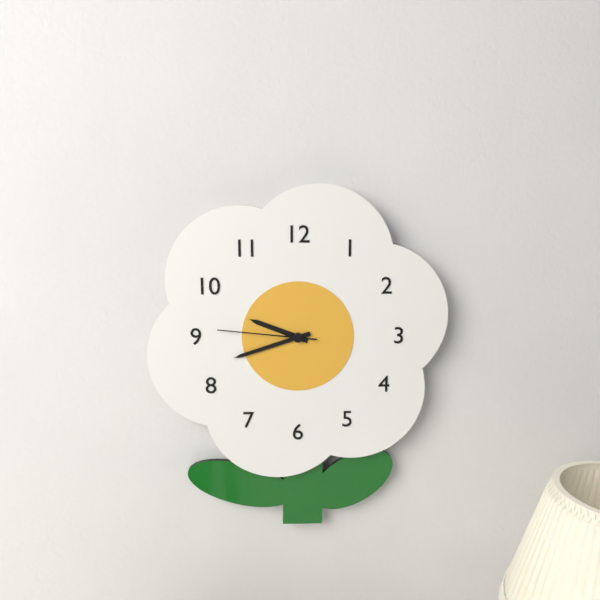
9 h 42 min 46 s
